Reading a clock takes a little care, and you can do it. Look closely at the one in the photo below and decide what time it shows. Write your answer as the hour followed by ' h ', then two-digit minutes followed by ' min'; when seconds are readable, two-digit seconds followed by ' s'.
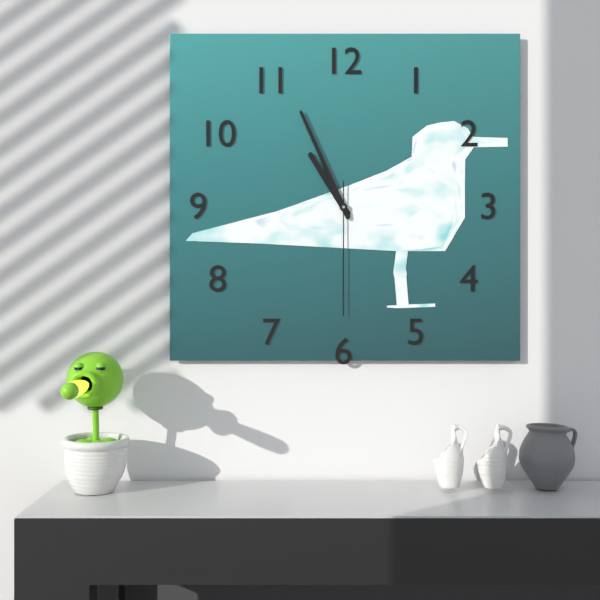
10 h 56 min 30 s
